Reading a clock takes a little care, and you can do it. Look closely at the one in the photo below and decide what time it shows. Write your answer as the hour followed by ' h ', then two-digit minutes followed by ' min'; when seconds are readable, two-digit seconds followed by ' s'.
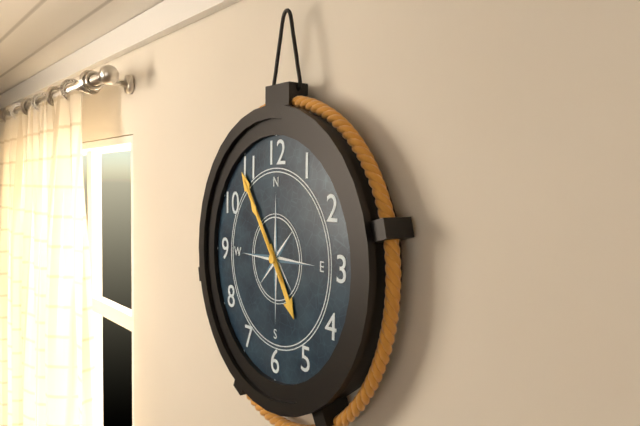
4 h 54 min 54 s
